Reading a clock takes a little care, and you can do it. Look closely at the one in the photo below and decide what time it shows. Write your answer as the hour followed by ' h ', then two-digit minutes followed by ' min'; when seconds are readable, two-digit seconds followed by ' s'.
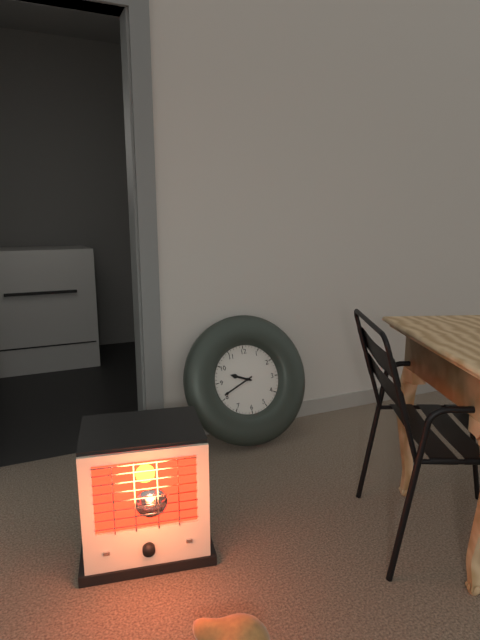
9 h 41 min
